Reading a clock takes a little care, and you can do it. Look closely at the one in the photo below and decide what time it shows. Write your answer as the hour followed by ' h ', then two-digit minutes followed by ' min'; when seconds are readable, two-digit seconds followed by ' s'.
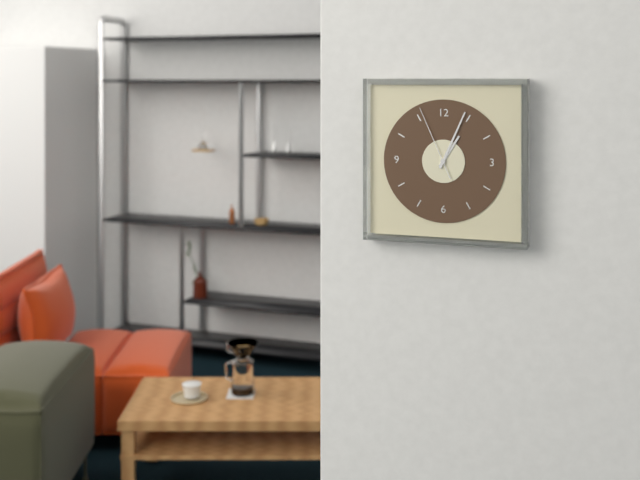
1 h 04 min 56 s
